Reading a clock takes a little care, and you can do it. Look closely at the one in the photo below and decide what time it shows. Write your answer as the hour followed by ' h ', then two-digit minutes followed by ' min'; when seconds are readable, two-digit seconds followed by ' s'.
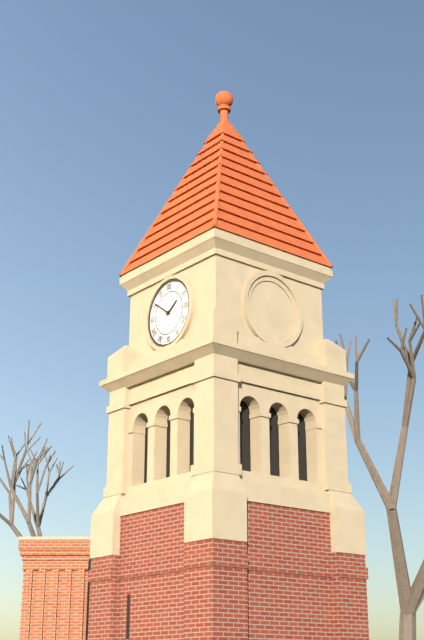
1 h 51 min
